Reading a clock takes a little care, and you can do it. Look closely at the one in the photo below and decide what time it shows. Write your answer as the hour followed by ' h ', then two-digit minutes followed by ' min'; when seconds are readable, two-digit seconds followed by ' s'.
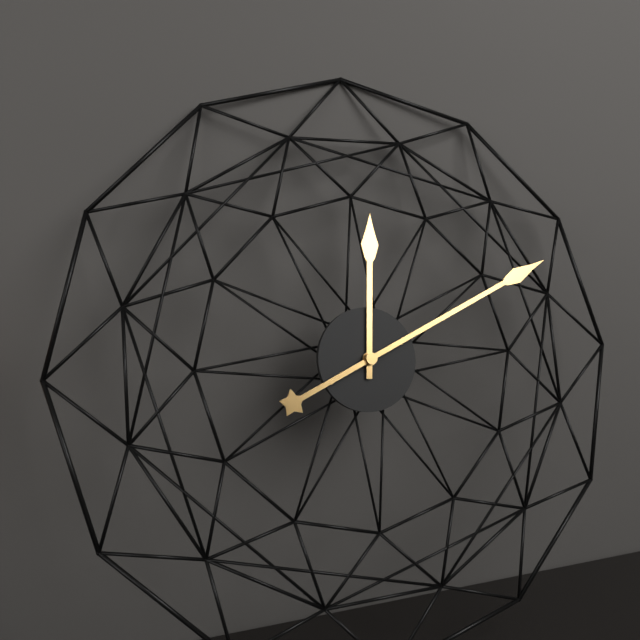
12 h 11 min
